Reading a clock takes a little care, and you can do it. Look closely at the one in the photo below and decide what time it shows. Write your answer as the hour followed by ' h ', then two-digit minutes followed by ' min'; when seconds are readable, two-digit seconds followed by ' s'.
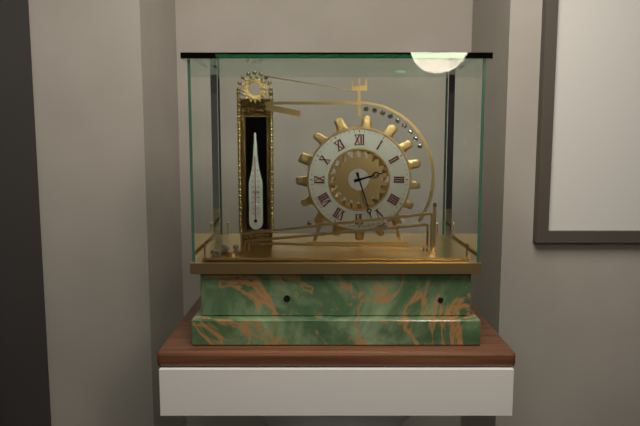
2 h 27 min
